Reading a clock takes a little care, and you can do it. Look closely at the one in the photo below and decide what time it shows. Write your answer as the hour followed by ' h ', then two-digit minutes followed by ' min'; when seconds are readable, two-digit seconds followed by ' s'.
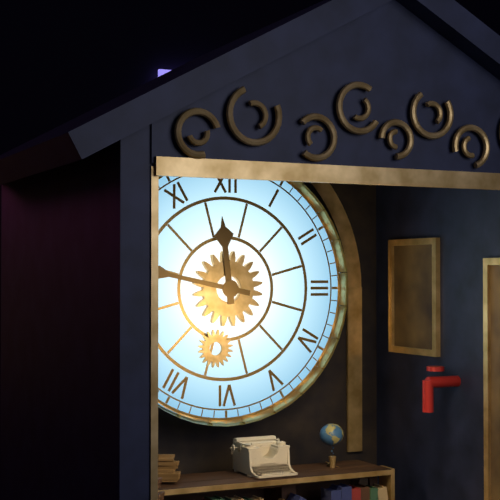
11 h 47 min
